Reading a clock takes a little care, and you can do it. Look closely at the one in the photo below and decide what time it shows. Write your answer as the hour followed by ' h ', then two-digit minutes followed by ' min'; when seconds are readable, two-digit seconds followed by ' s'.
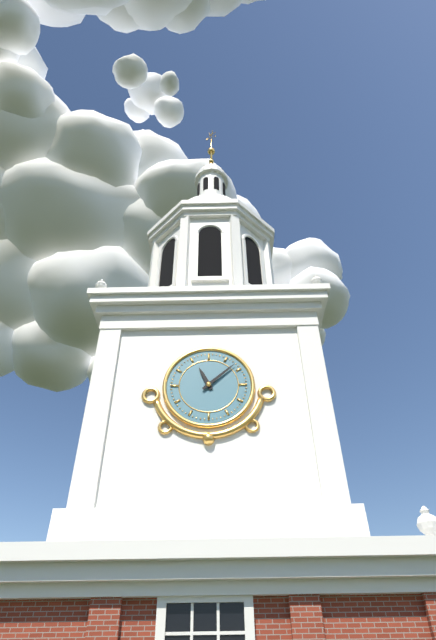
11 h 08 min
